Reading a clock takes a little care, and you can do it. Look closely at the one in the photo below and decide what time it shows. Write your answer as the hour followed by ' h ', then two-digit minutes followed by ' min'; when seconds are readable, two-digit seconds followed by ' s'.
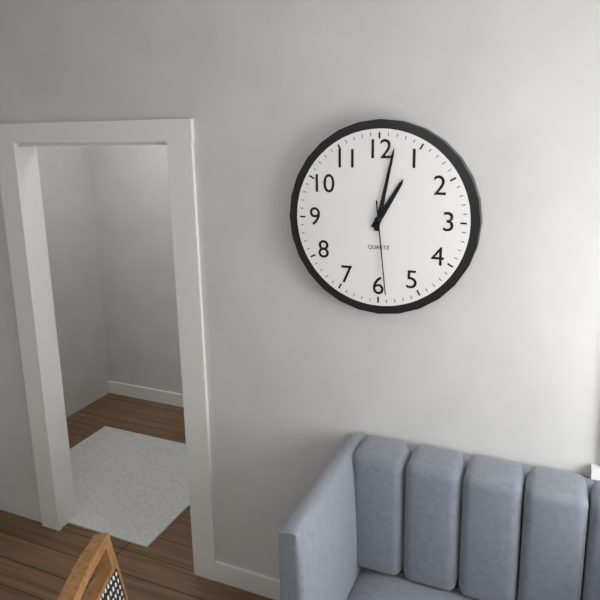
1 h 02 min 29 s
